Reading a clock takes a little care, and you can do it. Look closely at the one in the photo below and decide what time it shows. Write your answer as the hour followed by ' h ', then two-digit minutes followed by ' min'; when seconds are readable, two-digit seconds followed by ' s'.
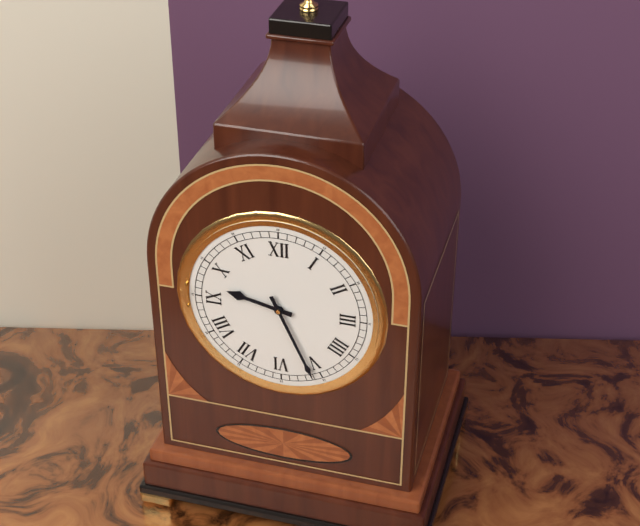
9 h 26 min
